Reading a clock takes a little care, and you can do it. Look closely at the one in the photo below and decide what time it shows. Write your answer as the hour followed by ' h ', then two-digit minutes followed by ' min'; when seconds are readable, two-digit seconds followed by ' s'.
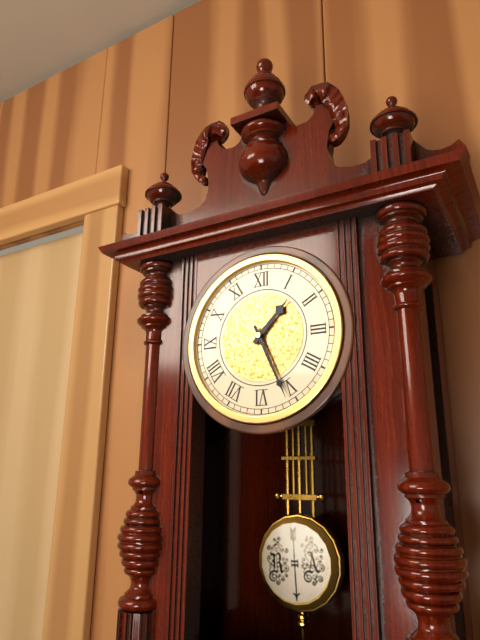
1 h 26 min
